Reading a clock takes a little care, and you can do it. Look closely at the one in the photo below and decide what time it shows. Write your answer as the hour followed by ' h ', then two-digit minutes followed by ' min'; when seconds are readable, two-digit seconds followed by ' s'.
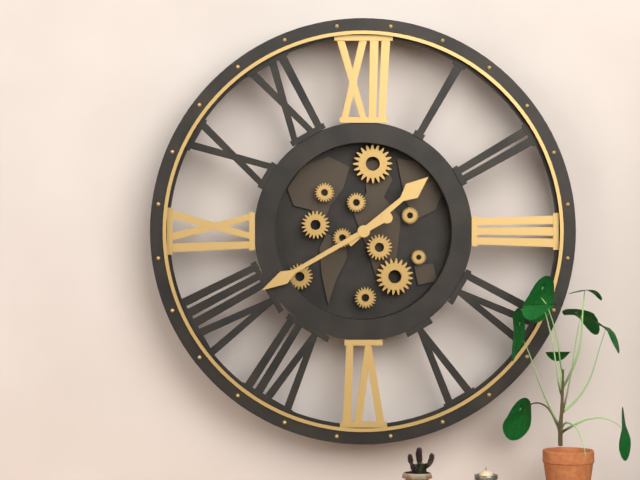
1 h 40 min
